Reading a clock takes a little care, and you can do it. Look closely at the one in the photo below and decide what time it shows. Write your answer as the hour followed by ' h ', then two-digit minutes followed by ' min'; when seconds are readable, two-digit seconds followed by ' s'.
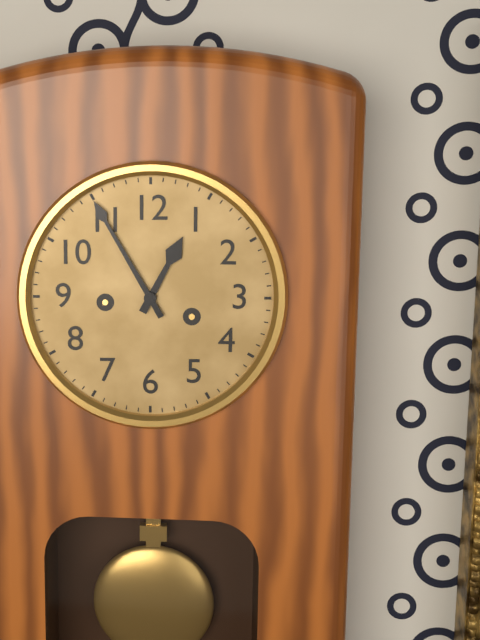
12 h 55 min
